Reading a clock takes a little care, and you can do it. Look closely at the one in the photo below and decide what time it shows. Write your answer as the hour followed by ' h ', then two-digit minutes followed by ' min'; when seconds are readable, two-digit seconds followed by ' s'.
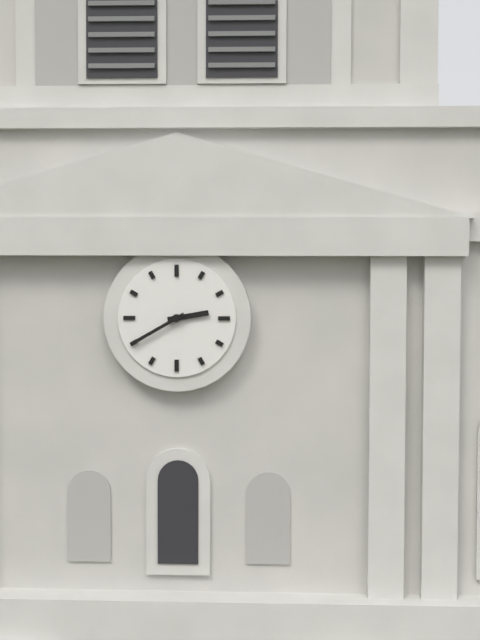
2 h 40 min
